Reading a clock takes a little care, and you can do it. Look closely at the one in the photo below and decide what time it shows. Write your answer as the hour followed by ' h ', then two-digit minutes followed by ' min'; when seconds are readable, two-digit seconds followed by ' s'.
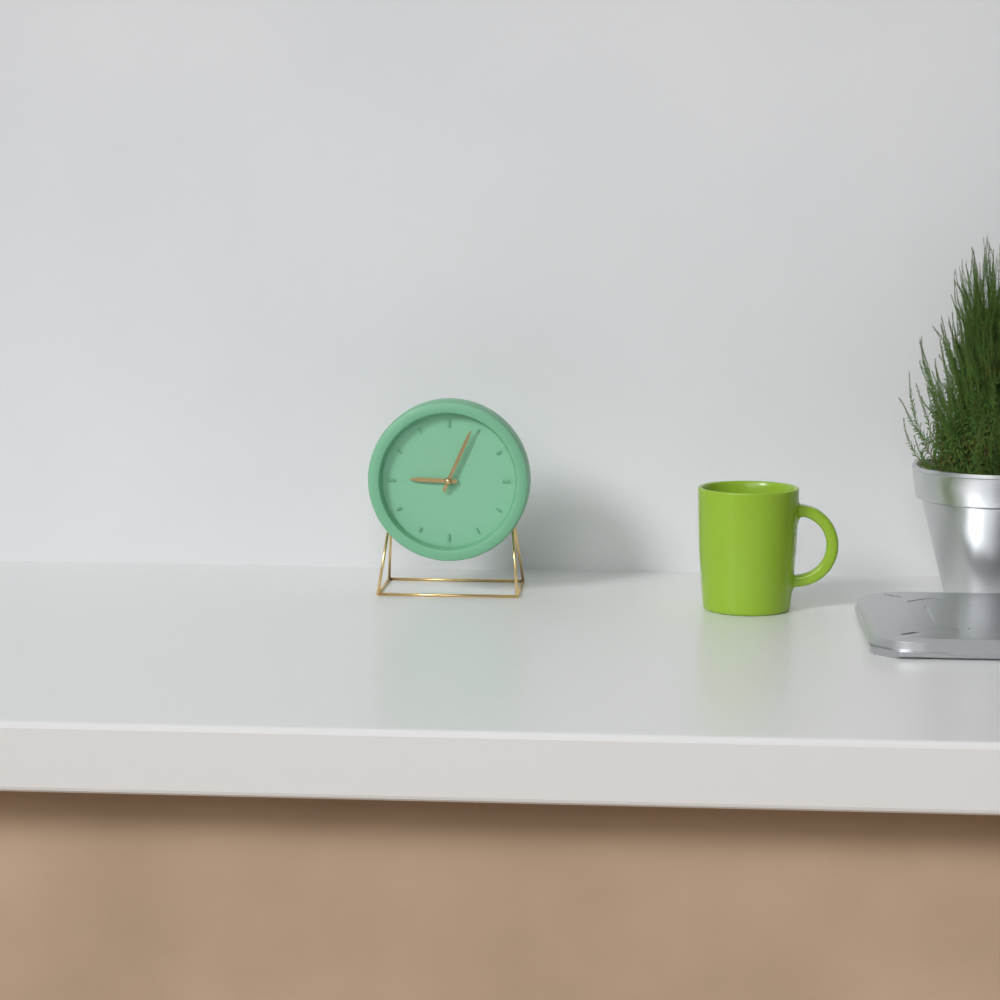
9 h 04 min
